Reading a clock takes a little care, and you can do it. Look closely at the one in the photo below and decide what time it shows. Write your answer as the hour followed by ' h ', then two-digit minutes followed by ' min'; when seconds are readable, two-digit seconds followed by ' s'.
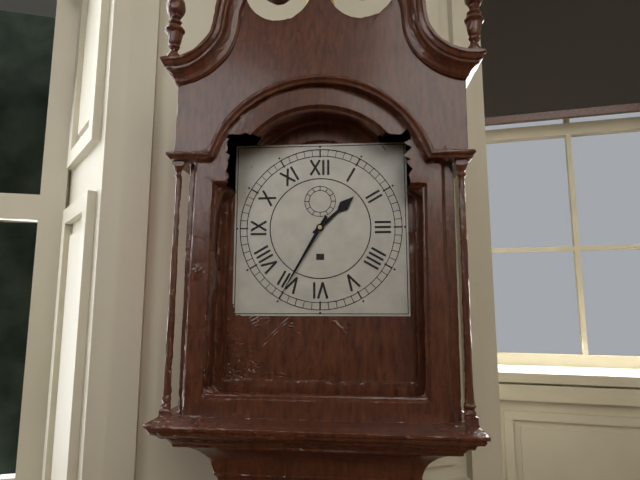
1 h 35 min
